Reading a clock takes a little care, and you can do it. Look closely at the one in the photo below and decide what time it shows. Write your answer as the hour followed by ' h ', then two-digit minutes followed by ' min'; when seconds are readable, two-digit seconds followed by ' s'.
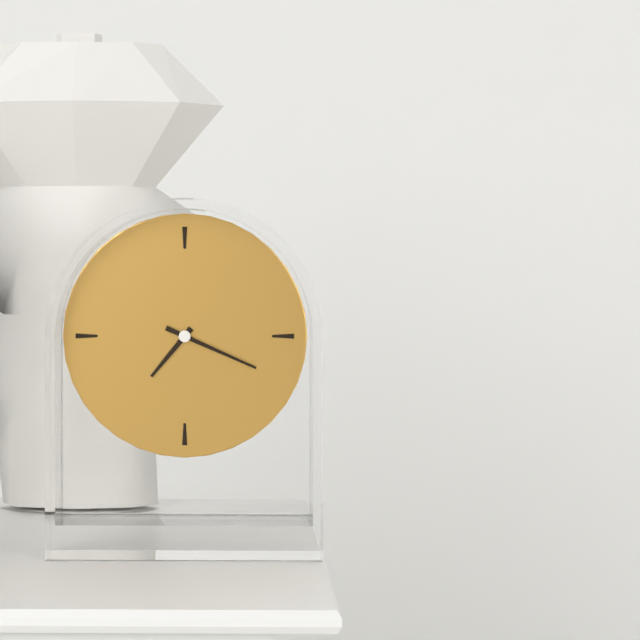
7 h 19 min
